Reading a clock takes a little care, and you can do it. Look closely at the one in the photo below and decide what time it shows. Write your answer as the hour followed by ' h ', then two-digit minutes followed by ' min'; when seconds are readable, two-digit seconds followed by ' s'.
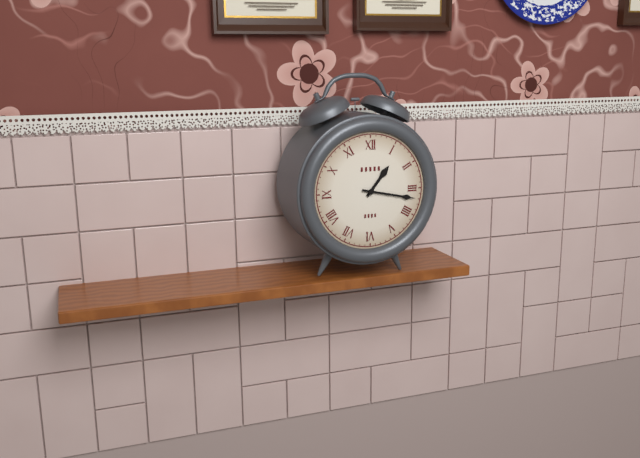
1 h 17 min
